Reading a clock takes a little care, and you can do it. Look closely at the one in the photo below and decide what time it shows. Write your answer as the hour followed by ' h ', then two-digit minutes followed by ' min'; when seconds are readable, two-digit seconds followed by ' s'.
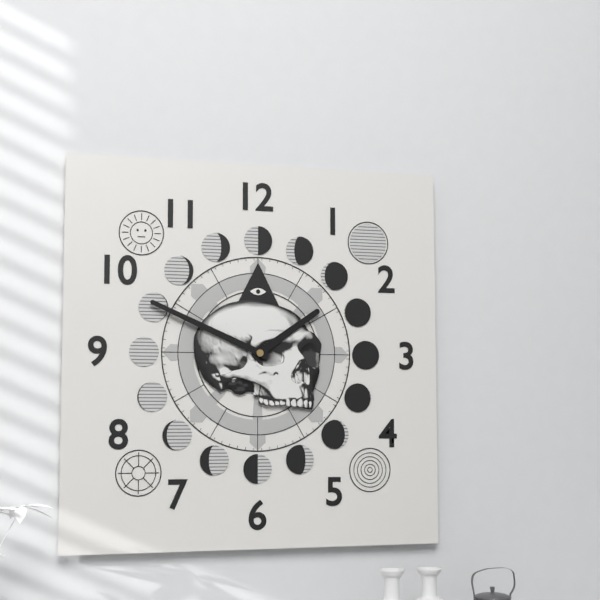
1 h 49 min
